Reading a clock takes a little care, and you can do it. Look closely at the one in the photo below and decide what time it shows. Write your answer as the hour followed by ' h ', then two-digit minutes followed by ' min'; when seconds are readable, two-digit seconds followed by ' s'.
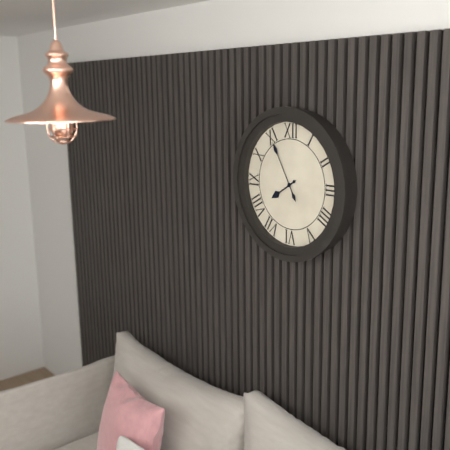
7 h 55 min
